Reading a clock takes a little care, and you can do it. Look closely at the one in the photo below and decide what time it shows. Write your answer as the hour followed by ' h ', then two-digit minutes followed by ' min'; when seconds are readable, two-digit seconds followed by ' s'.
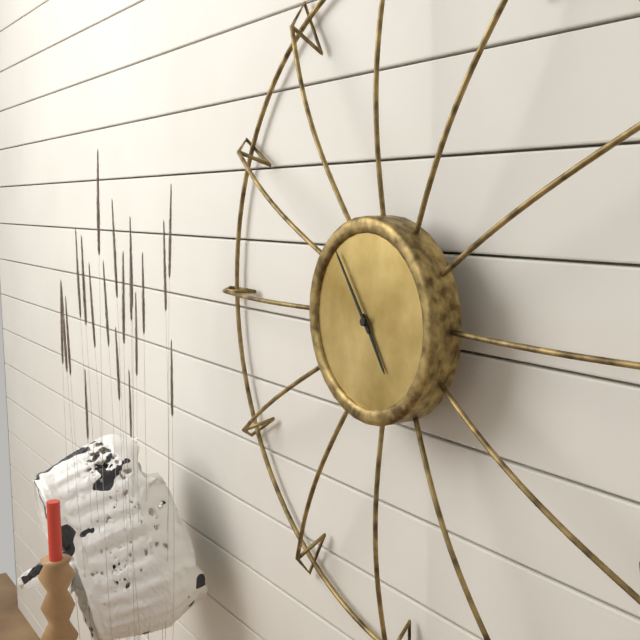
4 h 54 min
